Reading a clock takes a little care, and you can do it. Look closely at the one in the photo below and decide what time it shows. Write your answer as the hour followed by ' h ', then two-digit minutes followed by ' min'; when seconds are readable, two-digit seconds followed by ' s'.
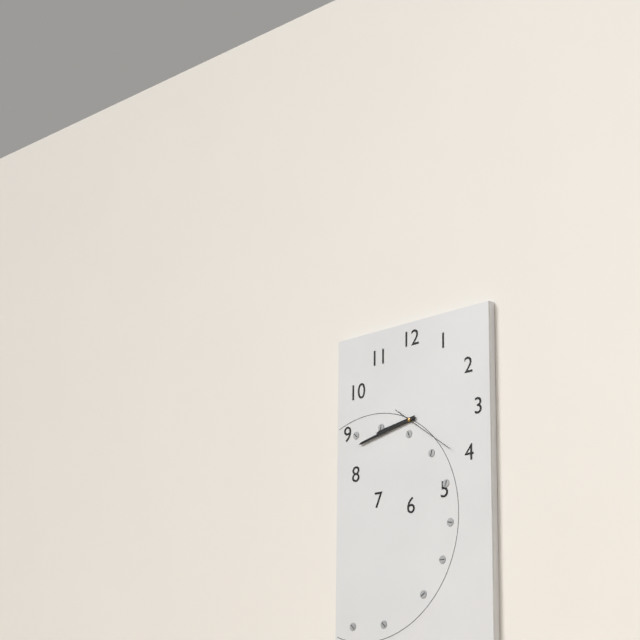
8 h 43 min 21 s
